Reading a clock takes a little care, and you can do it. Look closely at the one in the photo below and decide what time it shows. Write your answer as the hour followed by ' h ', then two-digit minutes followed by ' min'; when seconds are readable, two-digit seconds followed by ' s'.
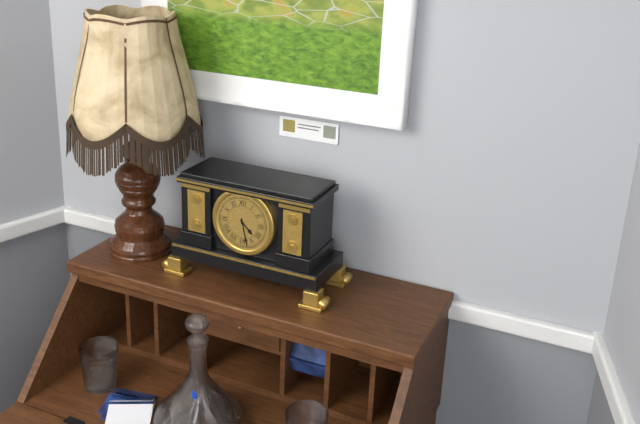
4 h 28 min
